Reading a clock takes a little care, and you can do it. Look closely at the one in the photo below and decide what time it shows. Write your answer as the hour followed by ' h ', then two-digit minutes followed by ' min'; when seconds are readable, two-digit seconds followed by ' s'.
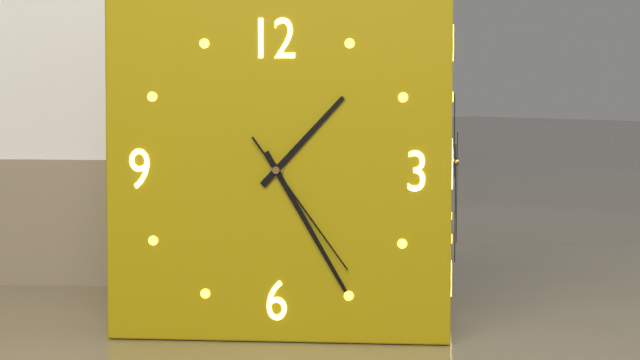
1 h 25 min 24 s
